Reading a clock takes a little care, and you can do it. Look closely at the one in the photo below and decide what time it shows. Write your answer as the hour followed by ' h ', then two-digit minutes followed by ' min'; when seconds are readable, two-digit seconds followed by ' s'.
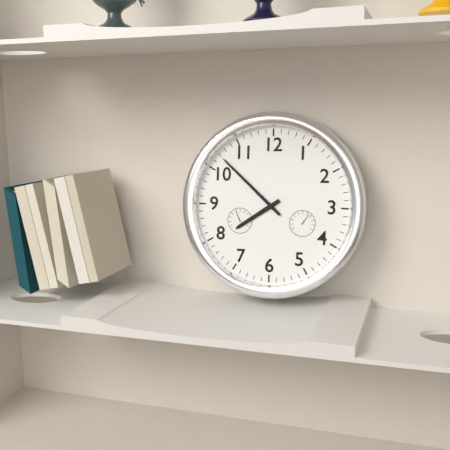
7 h 52 min
